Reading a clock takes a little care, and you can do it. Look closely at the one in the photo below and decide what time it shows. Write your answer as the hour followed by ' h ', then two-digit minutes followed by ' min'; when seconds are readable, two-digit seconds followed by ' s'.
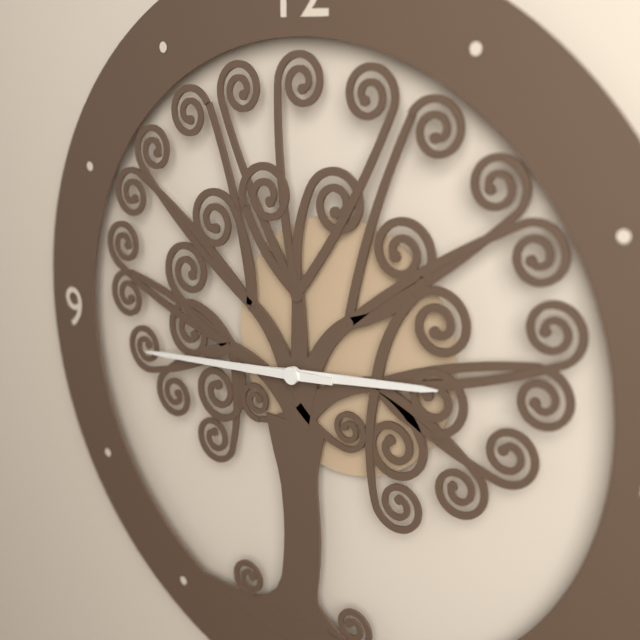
2 h 44 min
